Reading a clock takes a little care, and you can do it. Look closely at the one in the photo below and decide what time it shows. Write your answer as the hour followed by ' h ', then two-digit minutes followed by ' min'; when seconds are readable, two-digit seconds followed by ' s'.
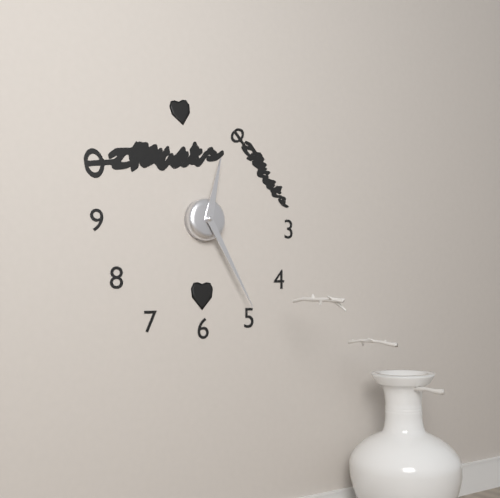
12 h 25 min
